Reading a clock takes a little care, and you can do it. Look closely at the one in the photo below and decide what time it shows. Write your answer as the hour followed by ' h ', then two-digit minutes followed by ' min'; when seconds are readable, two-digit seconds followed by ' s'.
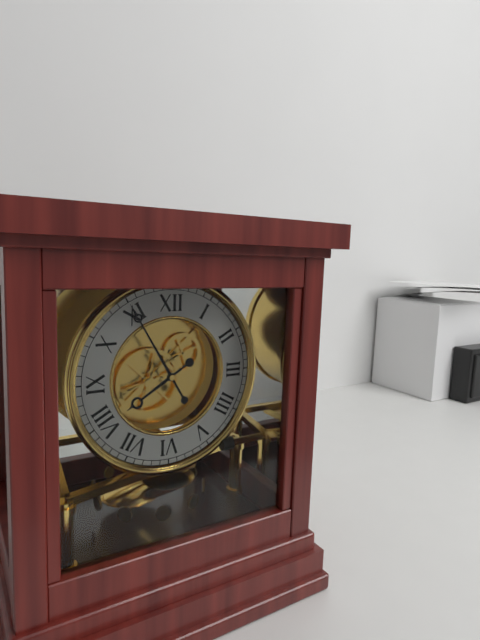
7 h 55 min
